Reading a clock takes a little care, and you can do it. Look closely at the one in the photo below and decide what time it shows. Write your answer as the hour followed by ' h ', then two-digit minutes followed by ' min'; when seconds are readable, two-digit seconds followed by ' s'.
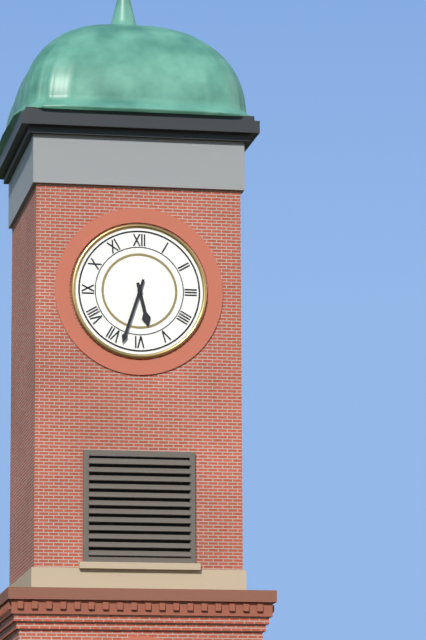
5 h 33 min
